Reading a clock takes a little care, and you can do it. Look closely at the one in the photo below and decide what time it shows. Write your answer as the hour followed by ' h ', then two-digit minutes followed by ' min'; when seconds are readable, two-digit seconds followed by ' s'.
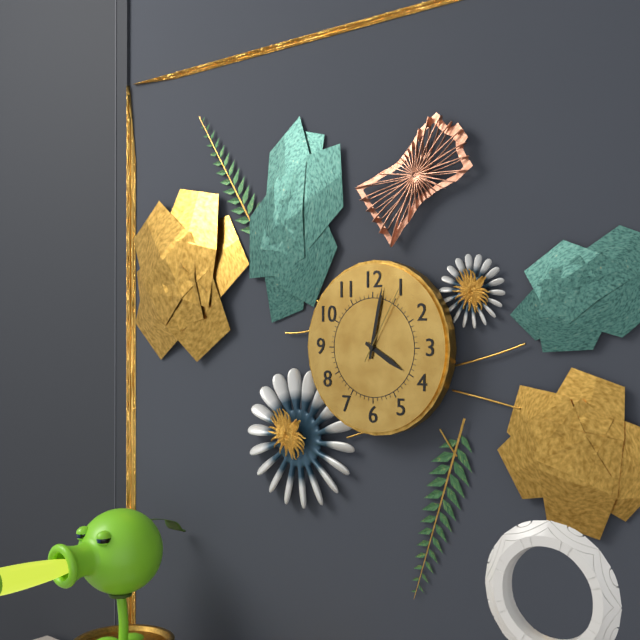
4 h 02 min 05 s
